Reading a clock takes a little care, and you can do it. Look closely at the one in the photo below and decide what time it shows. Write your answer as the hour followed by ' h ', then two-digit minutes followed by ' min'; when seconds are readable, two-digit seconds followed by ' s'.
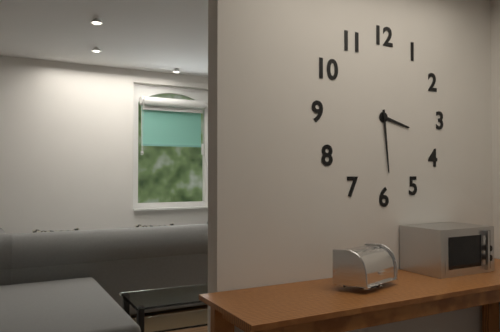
3 h 29 min
